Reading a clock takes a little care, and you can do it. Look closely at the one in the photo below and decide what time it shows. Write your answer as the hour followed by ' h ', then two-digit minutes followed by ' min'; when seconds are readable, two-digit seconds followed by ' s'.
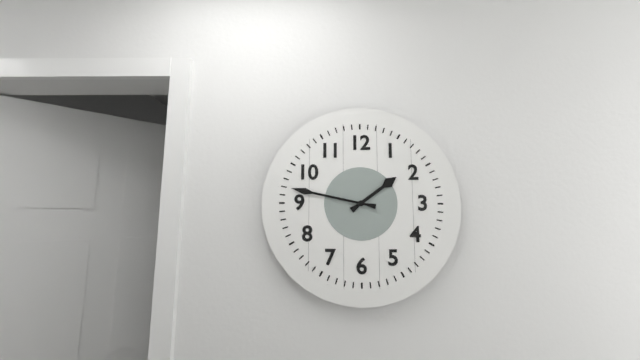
1 h 47 min
